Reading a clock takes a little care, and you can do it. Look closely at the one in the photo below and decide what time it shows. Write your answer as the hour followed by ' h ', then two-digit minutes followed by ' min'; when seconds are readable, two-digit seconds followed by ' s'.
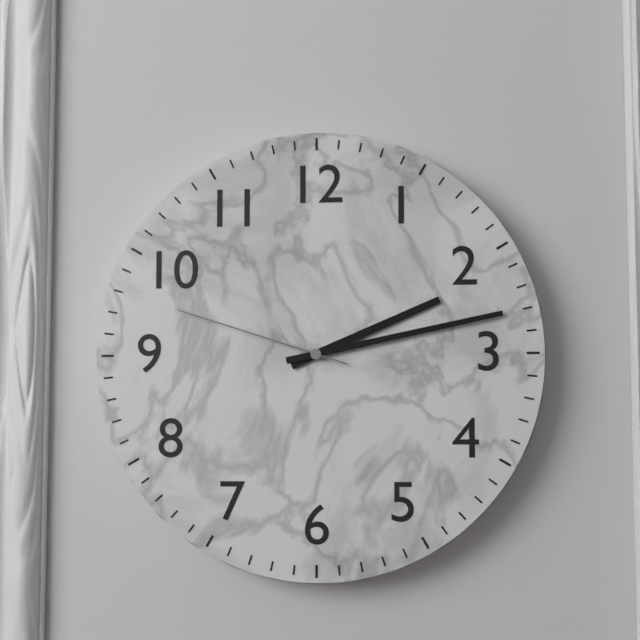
2 h 13 min 48 s
